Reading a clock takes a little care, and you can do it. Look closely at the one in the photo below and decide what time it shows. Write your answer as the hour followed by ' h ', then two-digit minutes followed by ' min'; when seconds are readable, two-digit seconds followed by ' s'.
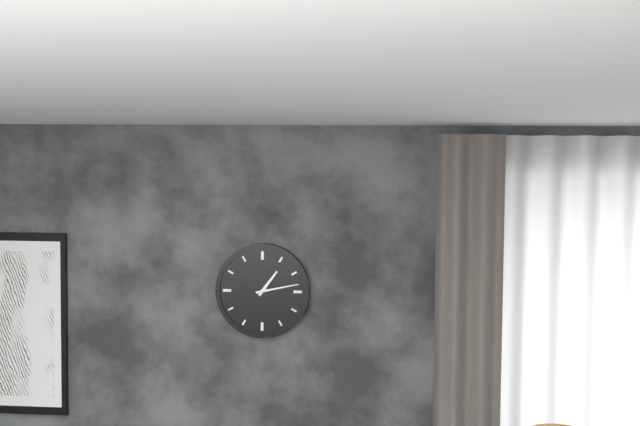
1 h 13 min
